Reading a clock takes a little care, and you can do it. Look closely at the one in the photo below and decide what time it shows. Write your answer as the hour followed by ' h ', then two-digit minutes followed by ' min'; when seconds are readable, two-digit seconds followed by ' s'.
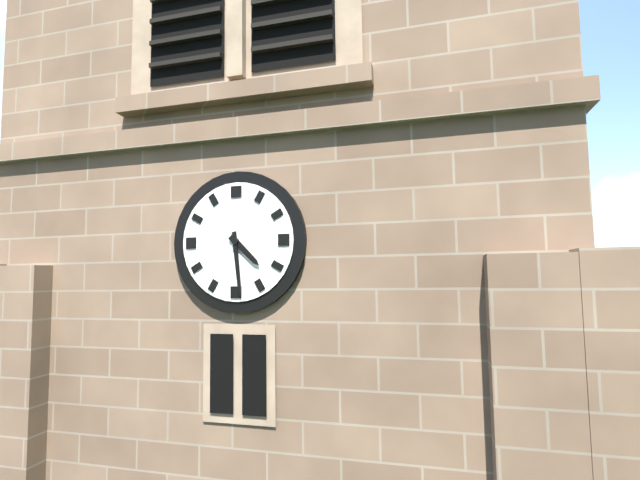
4 h 29 min
